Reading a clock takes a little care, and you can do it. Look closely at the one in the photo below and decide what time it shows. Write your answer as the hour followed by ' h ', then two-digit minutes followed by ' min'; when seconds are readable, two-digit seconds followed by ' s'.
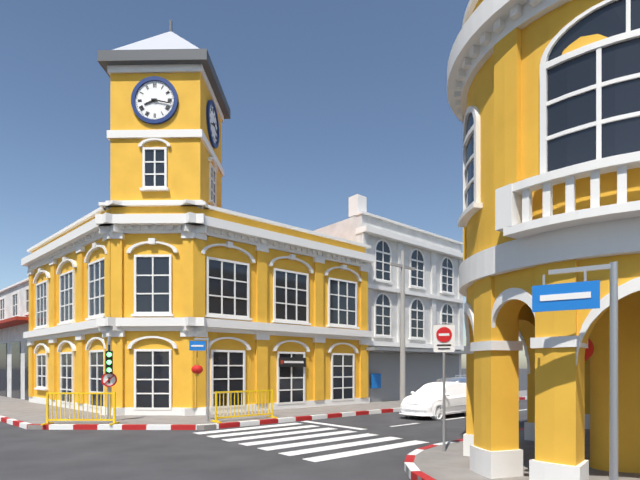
8 h 17 min
